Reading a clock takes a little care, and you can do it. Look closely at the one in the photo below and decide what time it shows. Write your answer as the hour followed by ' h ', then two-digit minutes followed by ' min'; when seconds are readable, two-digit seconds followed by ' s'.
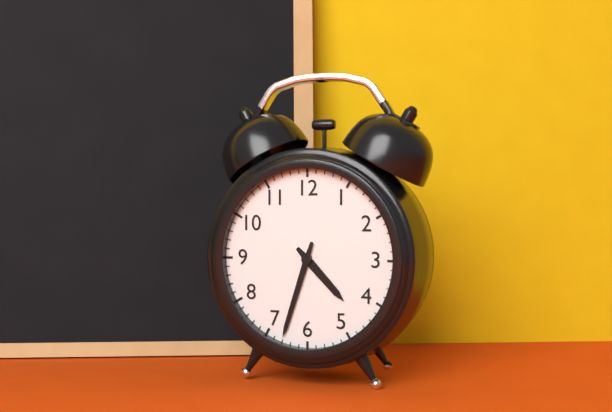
4 h 33 min
